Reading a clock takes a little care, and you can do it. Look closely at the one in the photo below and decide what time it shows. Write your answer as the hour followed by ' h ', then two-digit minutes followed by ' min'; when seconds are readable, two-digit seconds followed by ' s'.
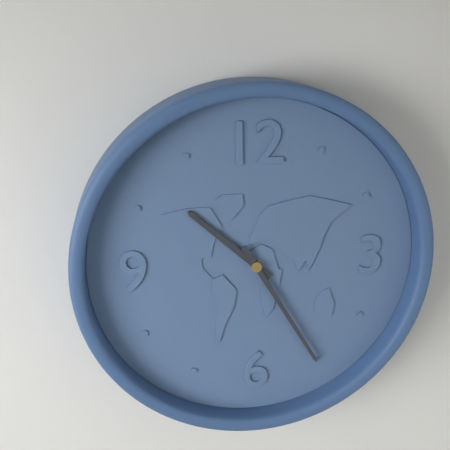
10 h 25 min
